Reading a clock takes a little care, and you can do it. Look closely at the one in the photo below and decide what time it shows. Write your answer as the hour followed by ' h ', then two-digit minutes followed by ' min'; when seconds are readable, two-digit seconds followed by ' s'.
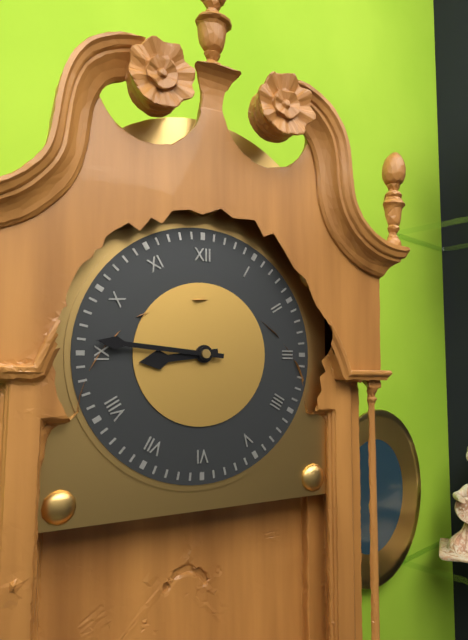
8 h 46 min
